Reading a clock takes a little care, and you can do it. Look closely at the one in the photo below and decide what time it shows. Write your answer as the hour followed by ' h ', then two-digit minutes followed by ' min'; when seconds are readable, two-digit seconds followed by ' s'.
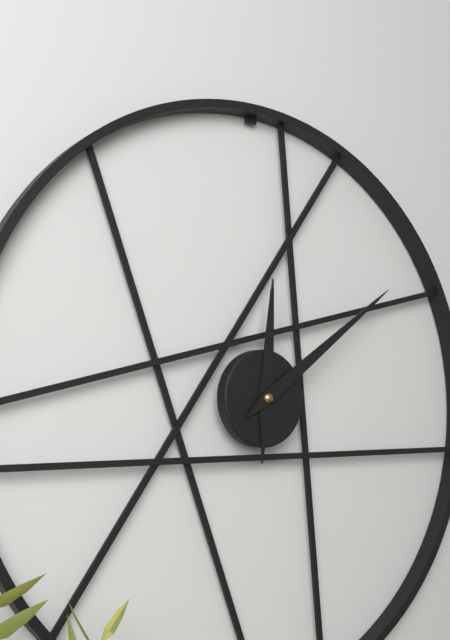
12 h 09 min
